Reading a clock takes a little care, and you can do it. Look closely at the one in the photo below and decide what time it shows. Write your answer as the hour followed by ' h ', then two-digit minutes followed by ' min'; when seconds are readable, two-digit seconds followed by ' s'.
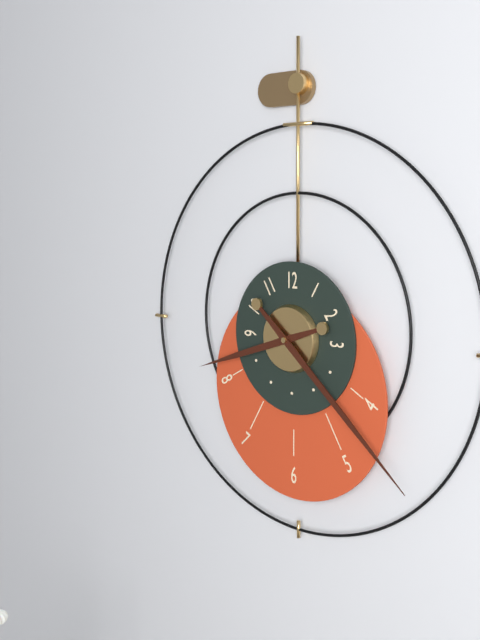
8 h 22 min
